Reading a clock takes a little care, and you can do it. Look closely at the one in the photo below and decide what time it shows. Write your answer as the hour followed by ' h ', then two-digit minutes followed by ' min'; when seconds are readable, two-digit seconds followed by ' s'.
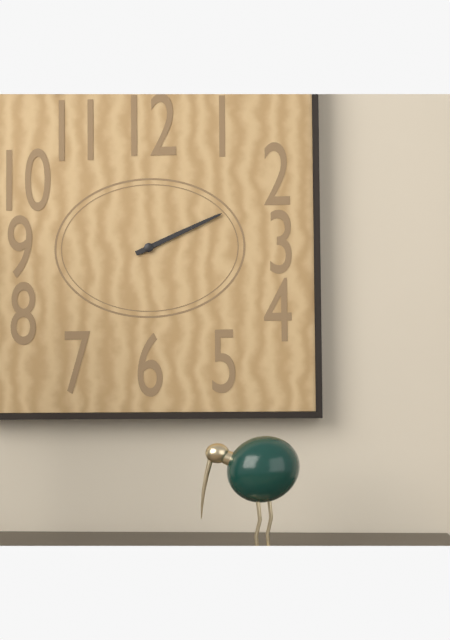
2 h 11 min
